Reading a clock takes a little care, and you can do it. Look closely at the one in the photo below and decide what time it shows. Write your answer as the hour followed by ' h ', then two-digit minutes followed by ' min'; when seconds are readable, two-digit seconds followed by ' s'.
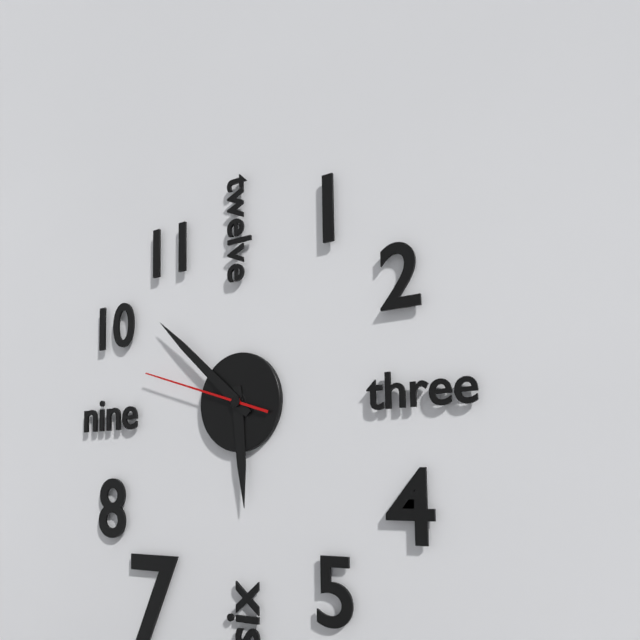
5 h 52 min 48 s
